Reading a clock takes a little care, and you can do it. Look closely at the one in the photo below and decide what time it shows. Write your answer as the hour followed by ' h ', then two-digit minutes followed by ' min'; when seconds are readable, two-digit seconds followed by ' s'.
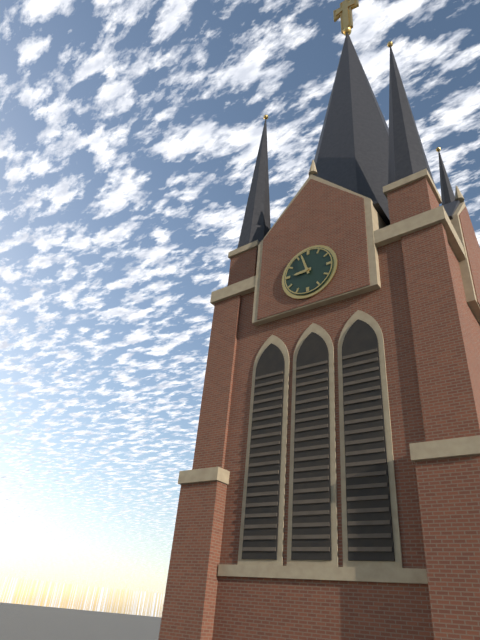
8 h 57 min
